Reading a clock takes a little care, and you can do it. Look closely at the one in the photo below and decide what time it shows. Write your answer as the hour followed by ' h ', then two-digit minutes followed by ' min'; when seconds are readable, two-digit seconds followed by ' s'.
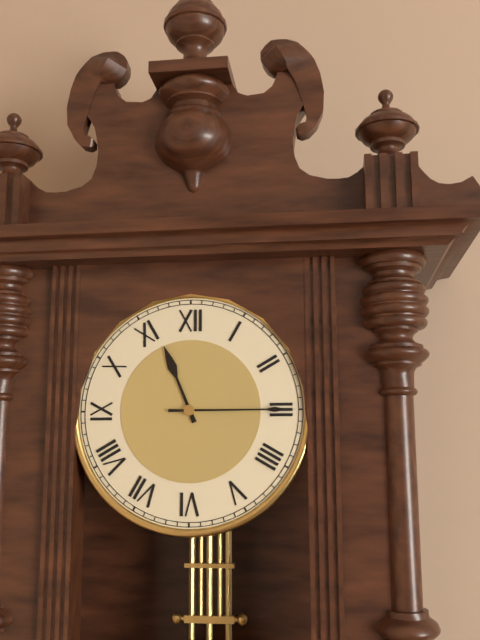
11 h 15 min
